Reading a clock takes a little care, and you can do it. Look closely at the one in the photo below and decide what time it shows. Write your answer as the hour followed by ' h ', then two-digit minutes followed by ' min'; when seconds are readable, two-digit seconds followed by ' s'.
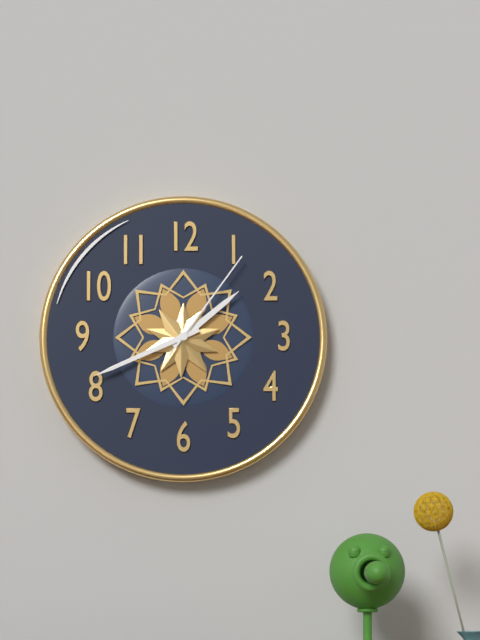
1 h 41 min 06 s
